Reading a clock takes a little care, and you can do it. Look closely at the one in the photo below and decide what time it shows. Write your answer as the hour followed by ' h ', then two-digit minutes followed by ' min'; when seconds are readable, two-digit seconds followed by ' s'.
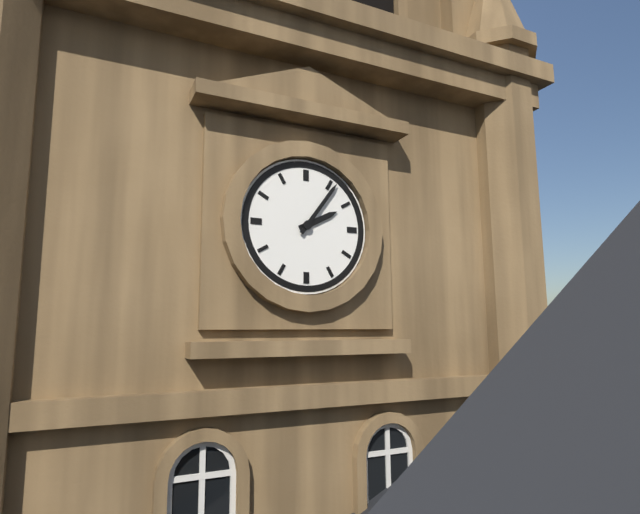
2 h 06 min
